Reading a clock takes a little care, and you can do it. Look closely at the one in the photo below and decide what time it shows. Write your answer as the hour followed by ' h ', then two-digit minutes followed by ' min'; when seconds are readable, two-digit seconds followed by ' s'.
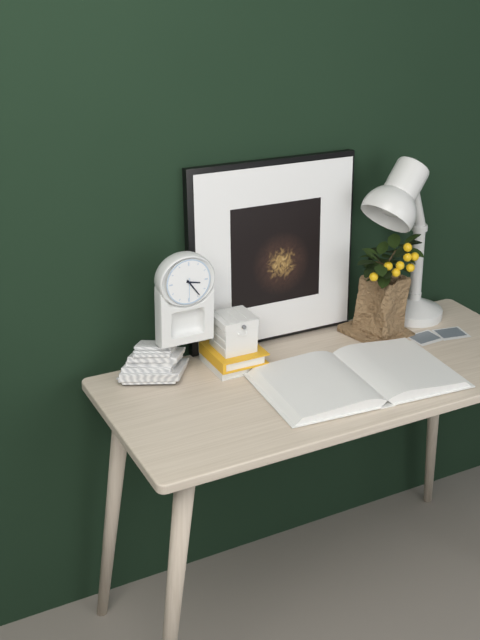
3 h 24 min
